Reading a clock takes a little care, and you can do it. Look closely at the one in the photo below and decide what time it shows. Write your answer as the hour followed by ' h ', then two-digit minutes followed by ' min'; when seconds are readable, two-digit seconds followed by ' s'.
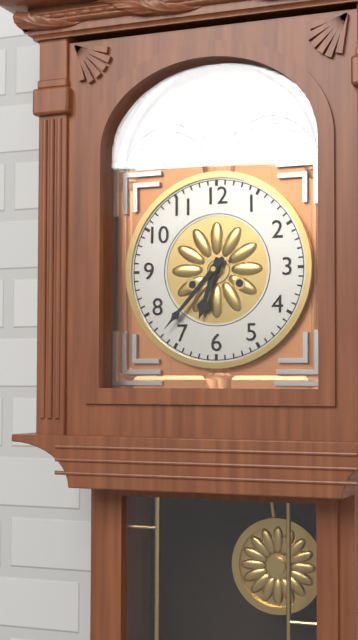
6 h 37 min
